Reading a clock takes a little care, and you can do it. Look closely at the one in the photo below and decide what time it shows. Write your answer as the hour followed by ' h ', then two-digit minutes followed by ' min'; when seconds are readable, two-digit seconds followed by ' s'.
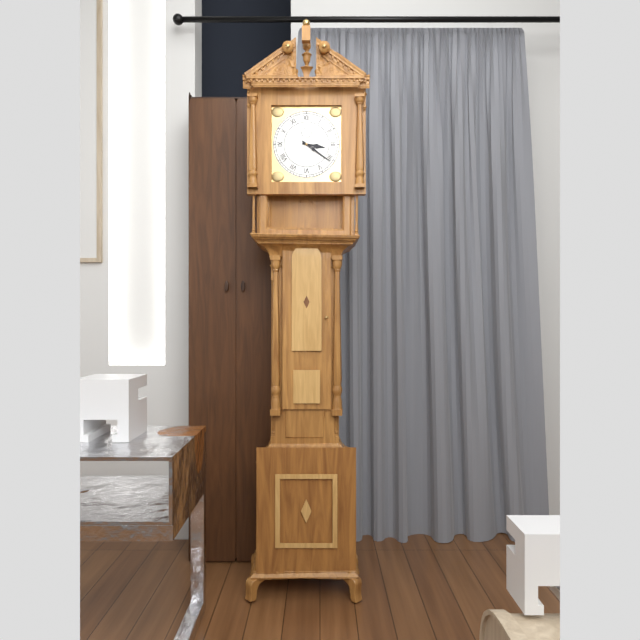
3 h 21 min
